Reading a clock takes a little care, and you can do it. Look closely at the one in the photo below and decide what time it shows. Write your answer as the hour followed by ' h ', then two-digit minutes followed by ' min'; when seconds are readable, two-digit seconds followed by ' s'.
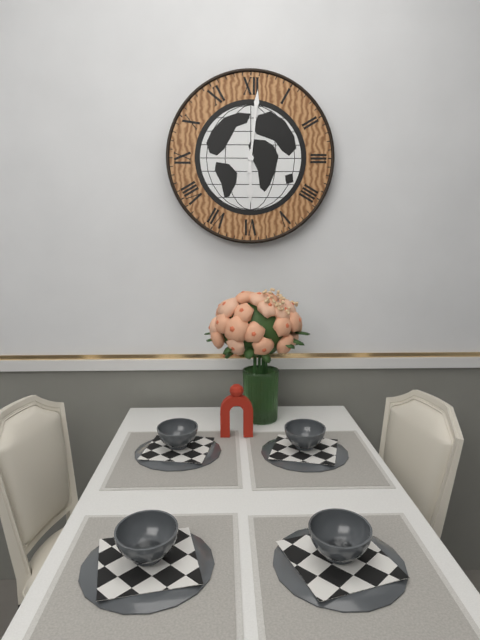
6 h 01 min
